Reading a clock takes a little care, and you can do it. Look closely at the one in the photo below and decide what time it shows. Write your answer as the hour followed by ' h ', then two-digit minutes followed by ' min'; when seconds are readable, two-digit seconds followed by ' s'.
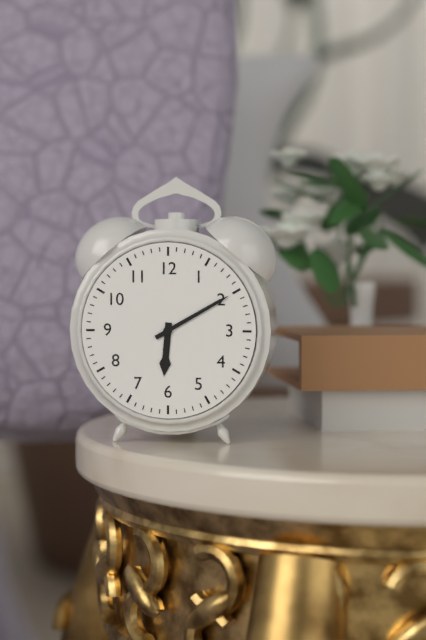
6 h 10 min
